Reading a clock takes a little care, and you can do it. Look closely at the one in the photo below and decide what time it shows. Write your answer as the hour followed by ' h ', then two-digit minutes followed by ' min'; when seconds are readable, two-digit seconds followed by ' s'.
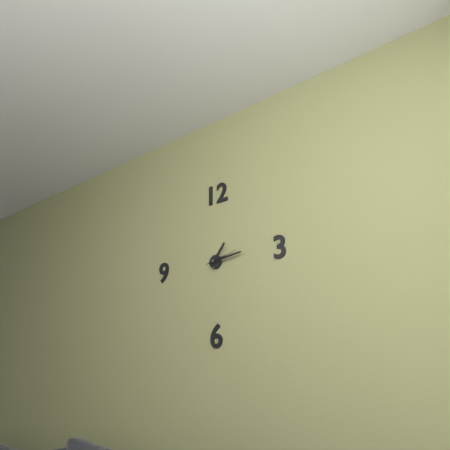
1 h 14 min
